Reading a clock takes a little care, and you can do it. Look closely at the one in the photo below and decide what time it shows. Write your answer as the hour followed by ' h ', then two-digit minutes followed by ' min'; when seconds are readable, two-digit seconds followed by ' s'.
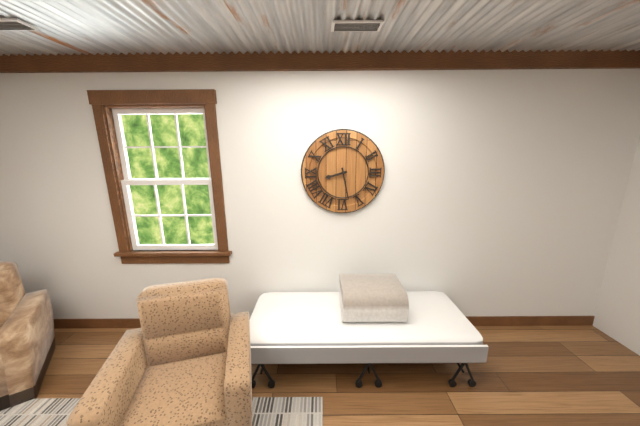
8 h 28 min
